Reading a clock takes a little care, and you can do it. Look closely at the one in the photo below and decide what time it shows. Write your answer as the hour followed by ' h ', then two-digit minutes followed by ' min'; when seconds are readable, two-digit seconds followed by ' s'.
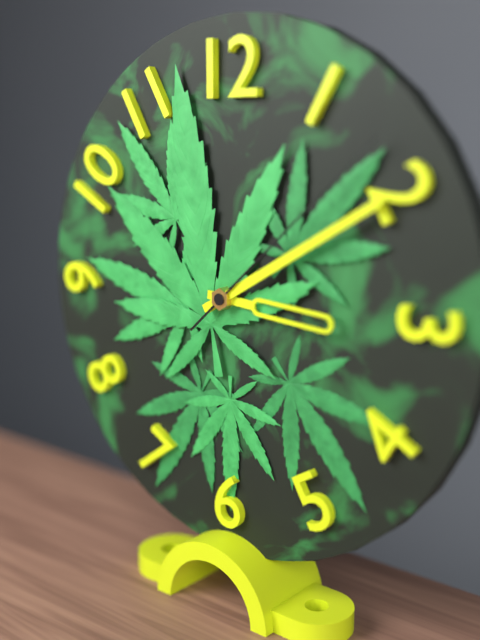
3 h 10 min 08 s
